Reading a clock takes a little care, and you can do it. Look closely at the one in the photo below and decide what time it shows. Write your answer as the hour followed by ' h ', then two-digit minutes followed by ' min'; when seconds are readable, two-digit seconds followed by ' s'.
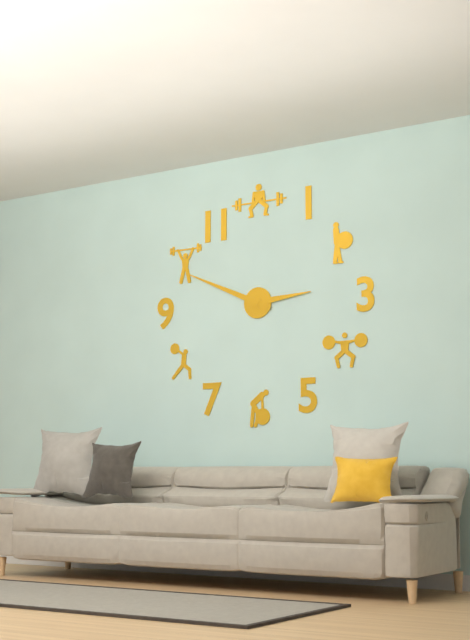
2 h 49 min
